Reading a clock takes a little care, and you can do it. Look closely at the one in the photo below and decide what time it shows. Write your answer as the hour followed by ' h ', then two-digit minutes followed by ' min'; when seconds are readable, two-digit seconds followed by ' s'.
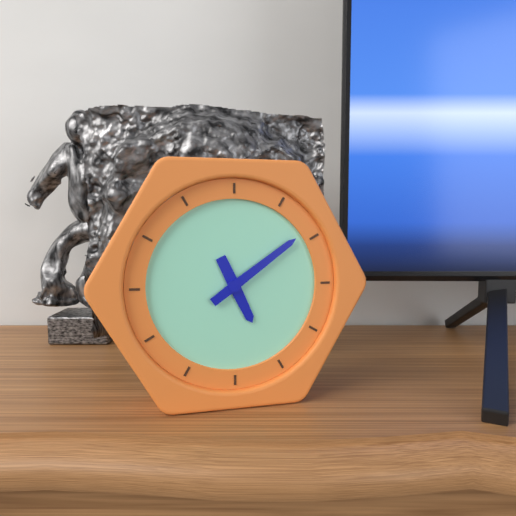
5 h 09 min
